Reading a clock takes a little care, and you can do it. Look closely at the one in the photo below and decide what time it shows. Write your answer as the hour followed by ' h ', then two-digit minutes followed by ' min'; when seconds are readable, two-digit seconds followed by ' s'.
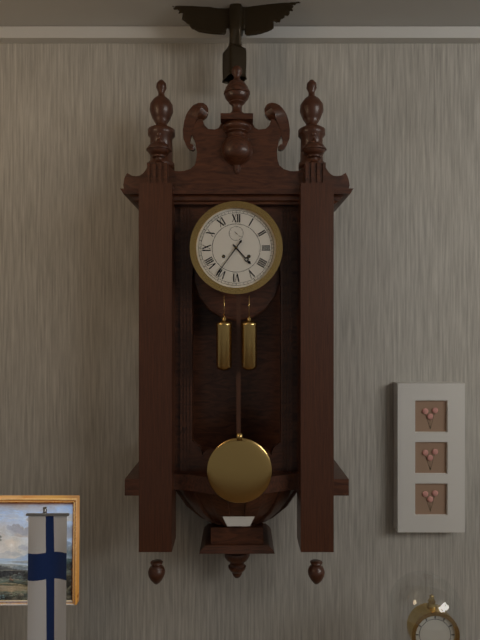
4 h 36 min
